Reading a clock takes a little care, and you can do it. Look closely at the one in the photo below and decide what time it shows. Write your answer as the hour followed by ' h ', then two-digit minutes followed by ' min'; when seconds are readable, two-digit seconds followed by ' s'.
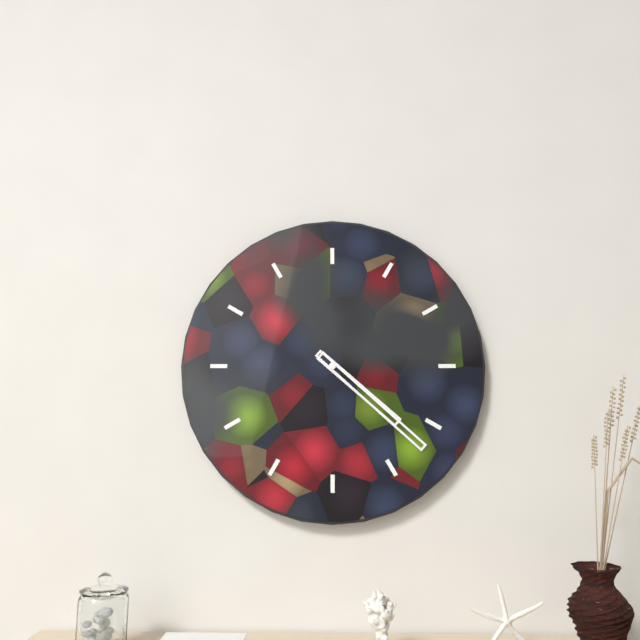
4 h 22 min
